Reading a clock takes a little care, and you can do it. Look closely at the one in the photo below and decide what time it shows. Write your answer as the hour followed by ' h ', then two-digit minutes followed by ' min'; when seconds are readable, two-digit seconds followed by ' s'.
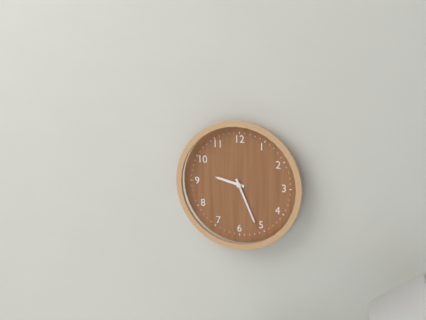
9 h 26 min
